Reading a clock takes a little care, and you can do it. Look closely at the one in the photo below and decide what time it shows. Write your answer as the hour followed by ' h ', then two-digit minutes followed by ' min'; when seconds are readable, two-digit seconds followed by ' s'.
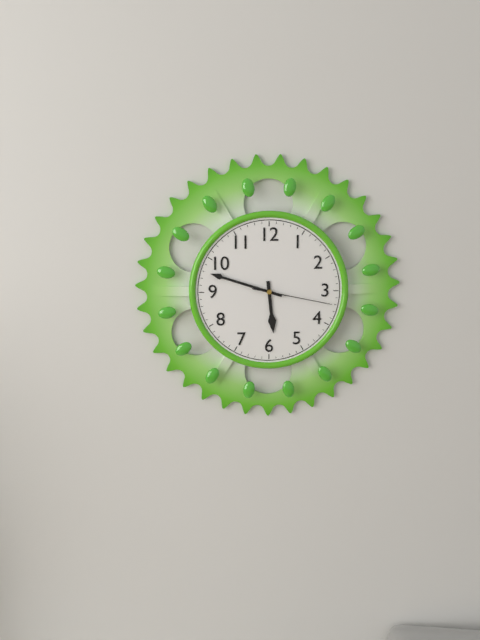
5 h 48 min 17 s
